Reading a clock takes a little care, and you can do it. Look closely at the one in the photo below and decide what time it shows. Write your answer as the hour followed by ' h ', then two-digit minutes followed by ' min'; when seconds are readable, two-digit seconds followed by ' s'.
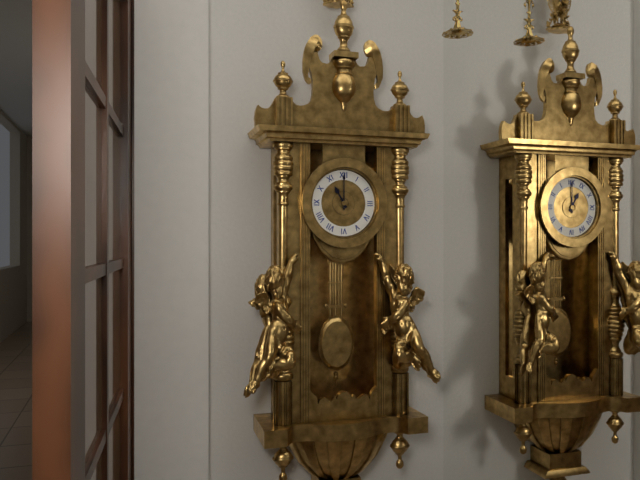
11 h 00 min
